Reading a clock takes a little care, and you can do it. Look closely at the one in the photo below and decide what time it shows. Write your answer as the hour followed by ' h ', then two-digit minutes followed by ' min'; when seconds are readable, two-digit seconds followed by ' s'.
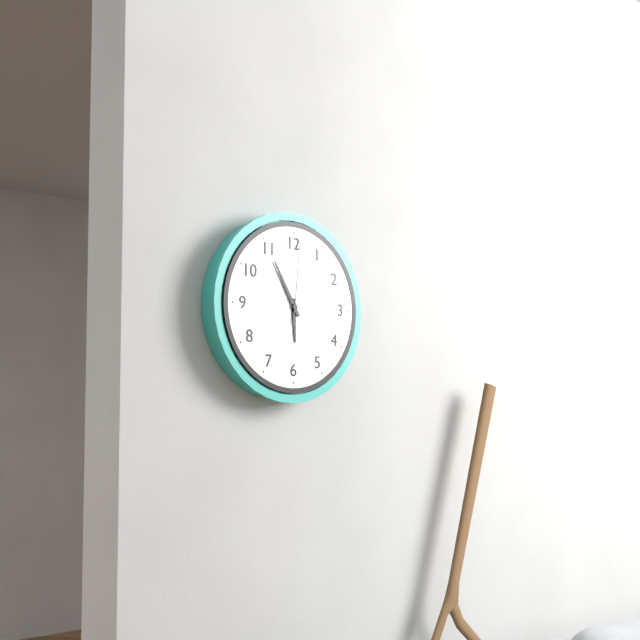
5 h 55 min 01 s
